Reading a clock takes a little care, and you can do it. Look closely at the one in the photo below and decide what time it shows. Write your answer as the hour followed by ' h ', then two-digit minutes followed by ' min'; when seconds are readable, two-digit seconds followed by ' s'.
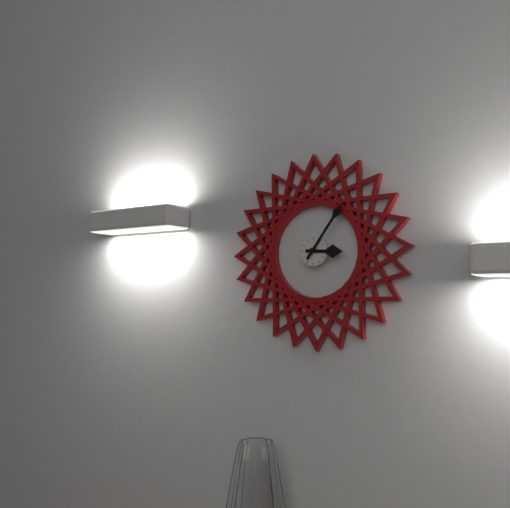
3 h 06 min
